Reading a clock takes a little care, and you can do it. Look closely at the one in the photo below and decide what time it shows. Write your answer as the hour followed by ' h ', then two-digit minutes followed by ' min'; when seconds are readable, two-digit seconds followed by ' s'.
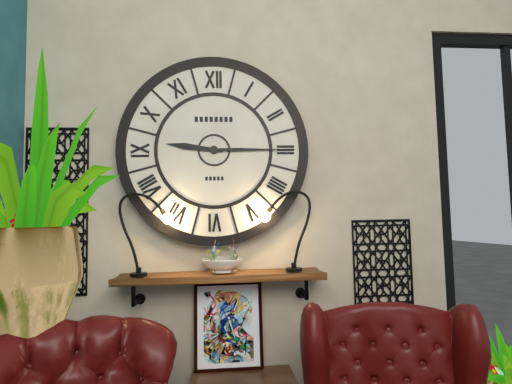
9 h 15 min
